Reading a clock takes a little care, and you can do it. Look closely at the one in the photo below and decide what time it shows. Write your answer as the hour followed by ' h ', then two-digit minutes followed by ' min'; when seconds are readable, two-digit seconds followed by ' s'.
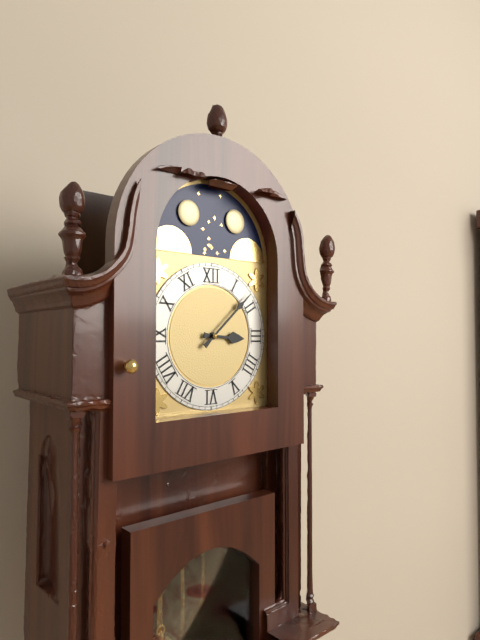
3 h 08 min
